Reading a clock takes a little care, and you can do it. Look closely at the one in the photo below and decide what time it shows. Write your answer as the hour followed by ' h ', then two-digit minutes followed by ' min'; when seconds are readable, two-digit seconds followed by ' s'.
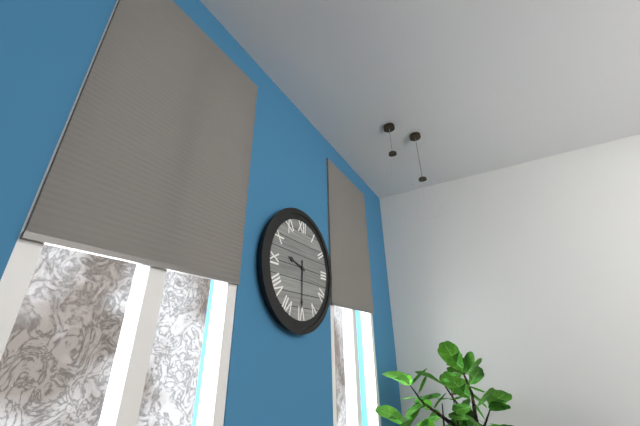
9 h 30 min
